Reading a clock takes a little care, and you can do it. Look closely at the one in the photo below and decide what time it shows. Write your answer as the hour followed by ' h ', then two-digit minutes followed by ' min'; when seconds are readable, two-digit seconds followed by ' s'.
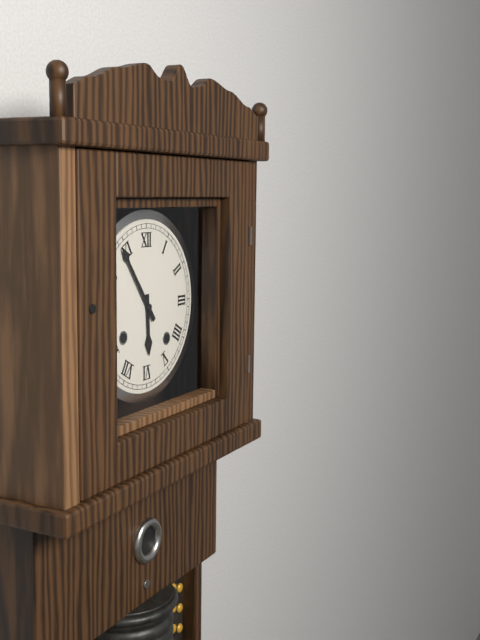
5 h 54 min
